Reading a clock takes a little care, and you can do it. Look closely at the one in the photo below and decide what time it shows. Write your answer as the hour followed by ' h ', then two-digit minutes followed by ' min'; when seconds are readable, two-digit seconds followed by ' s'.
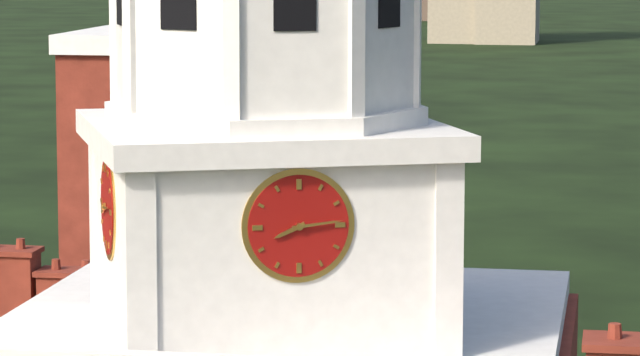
8 h 14 min
